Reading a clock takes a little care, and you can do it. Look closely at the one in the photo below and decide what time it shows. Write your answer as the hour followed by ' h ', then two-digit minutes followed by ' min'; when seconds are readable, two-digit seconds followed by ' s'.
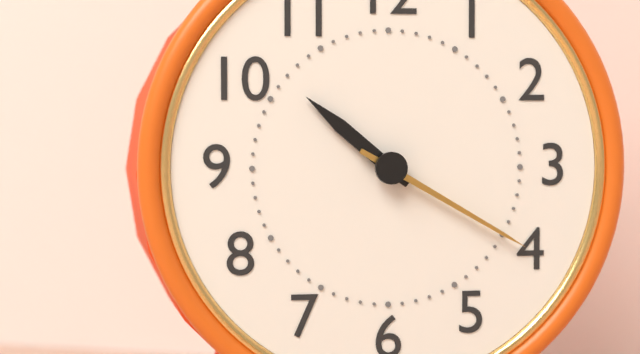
10 h 20 min
